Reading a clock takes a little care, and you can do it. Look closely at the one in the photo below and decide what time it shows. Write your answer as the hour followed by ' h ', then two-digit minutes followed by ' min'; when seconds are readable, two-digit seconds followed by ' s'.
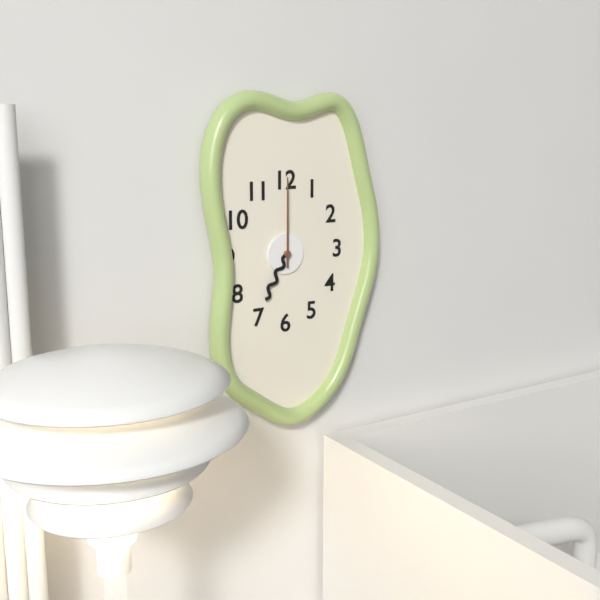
7 h 00 min
